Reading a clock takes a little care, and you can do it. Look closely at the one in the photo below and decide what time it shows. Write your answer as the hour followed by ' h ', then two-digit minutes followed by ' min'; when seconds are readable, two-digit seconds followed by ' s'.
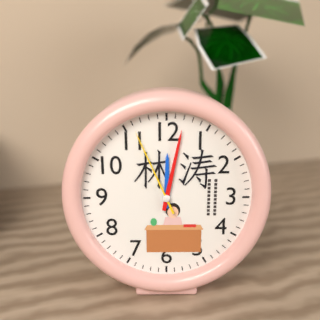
12 h 02 min 56 s
